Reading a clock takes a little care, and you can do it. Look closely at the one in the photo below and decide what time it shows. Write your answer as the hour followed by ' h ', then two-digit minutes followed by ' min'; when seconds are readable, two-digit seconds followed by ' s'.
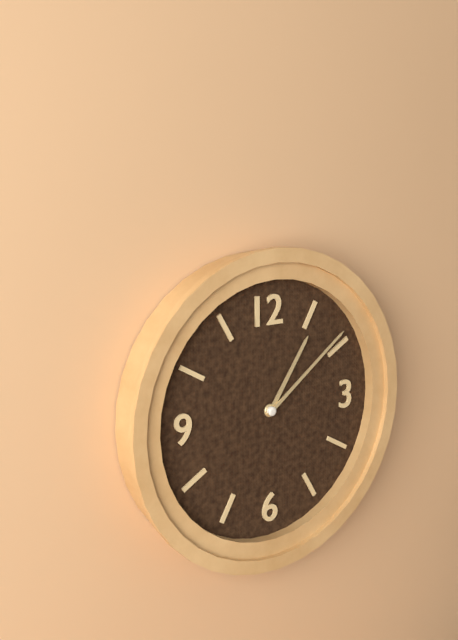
1 h 09 min
